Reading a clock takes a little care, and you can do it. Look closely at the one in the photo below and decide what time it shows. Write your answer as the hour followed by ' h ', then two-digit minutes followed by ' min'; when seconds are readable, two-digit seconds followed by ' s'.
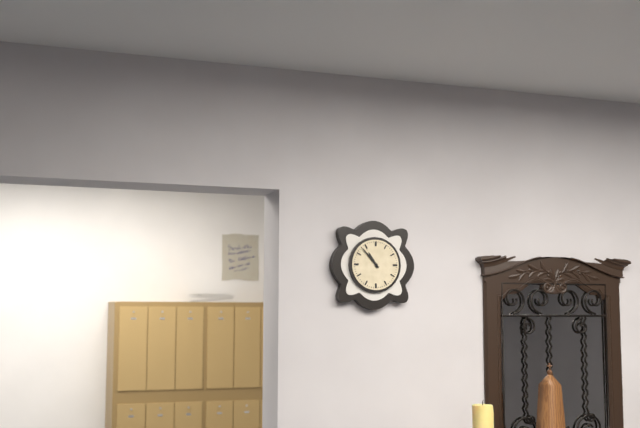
10 h 53 min
